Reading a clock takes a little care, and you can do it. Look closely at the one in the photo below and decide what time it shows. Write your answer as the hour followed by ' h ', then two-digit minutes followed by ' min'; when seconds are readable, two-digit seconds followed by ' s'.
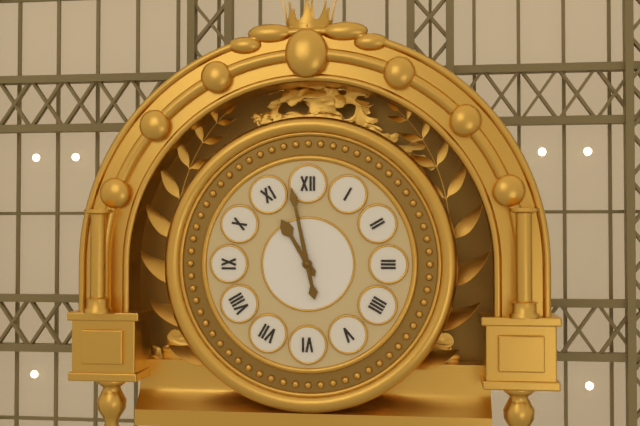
10 h 58 min
